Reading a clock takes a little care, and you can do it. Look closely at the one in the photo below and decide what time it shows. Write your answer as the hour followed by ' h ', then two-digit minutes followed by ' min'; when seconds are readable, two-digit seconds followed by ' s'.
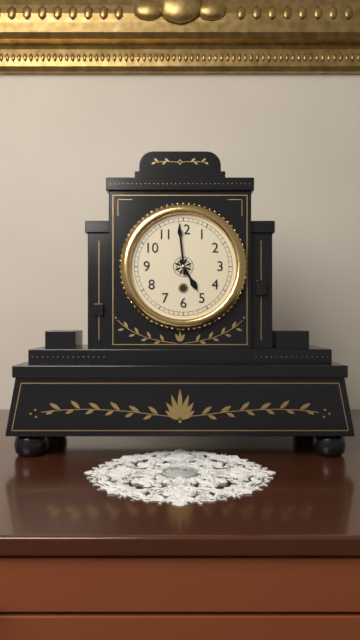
4 h 59 min
